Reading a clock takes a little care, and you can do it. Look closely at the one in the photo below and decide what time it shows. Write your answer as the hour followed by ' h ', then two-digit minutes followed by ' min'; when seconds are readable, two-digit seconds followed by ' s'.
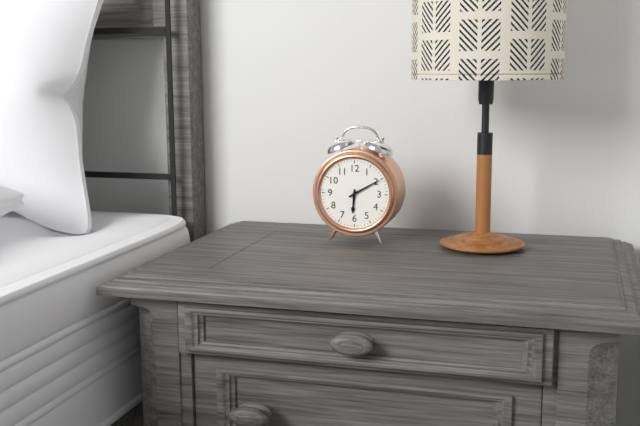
6 h 10 min
